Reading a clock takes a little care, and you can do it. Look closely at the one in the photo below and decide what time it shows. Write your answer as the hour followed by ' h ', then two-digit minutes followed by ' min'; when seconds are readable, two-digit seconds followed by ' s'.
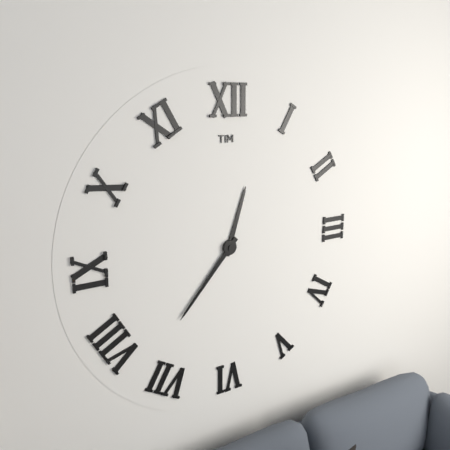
12 h 37 min
